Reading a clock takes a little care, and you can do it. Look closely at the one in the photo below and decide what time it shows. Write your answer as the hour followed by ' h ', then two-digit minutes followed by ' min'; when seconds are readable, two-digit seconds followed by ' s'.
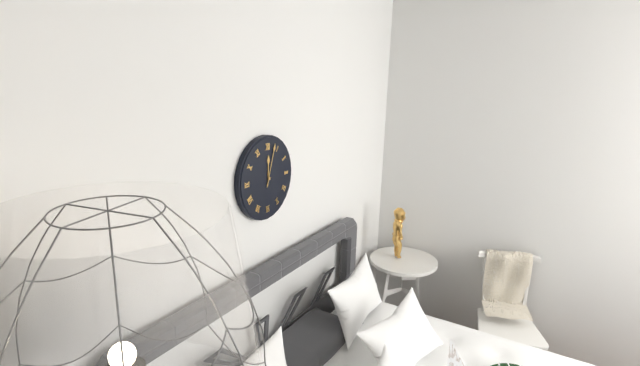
12 h 03 min
